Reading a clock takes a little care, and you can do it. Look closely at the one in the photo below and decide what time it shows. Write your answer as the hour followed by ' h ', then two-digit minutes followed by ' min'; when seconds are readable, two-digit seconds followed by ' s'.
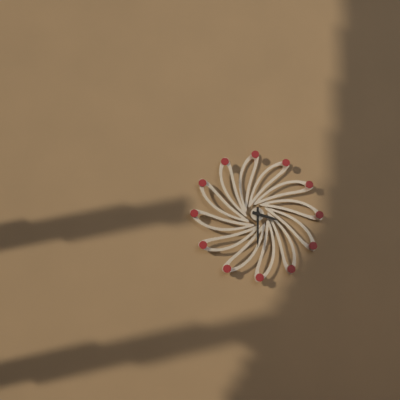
3 h 30 min
